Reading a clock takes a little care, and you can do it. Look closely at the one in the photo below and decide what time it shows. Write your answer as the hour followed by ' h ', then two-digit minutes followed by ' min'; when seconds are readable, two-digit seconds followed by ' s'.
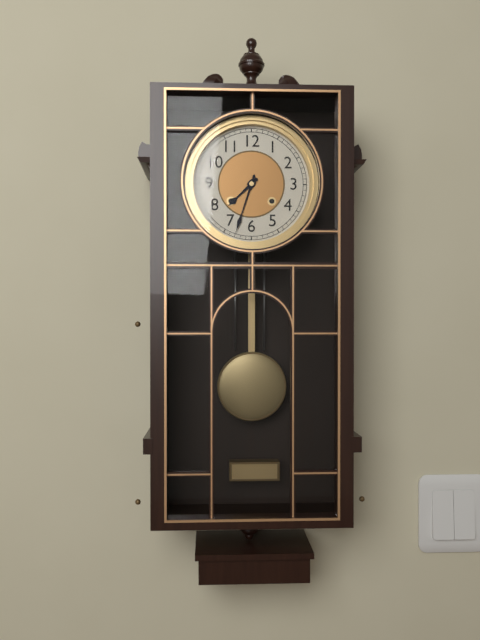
7 h 33 min
